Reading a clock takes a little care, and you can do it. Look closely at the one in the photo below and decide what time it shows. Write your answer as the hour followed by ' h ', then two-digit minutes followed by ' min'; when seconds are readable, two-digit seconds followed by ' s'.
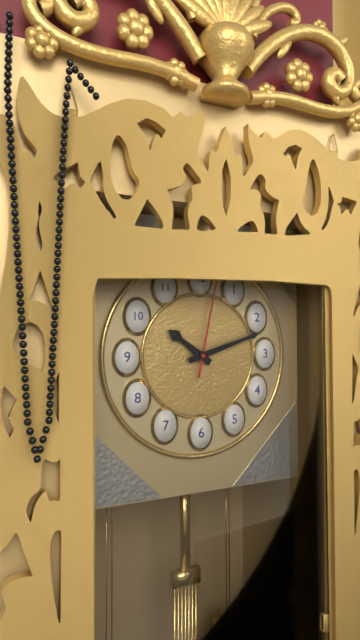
10 h 12 min 02 s
